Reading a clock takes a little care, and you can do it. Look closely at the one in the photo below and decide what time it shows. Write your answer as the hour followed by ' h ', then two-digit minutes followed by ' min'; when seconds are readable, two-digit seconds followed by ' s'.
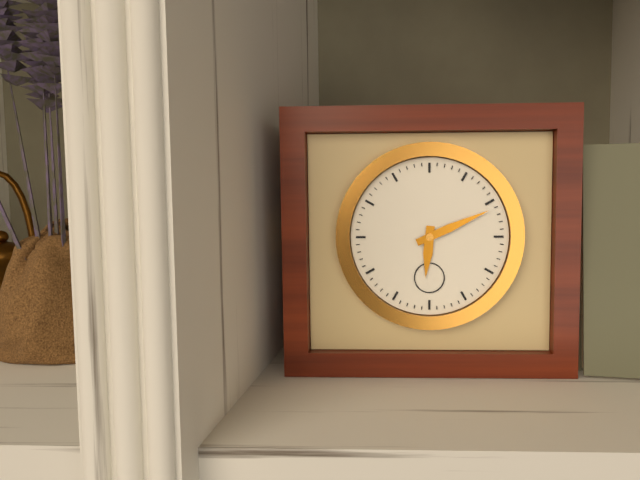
6 h 11 min
